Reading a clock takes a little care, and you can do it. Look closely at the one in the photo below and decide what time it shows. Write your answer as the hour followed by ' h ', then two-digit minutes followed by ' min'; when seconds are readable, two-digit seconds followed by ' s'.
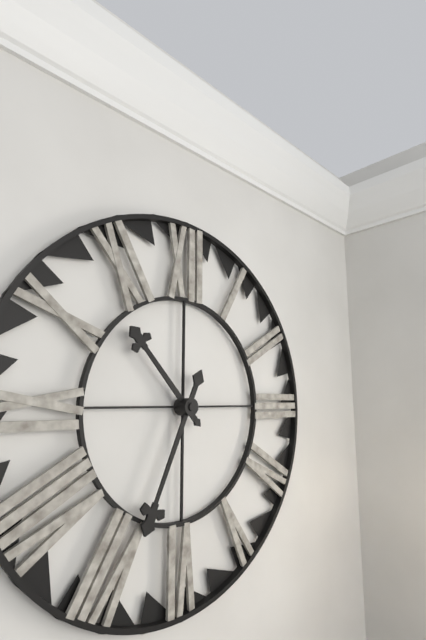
10 h 34 min
